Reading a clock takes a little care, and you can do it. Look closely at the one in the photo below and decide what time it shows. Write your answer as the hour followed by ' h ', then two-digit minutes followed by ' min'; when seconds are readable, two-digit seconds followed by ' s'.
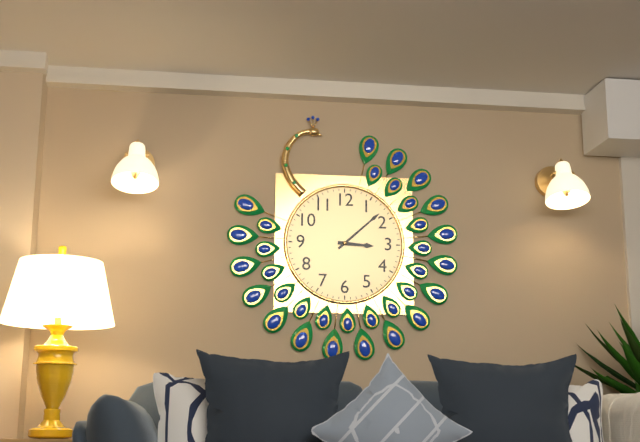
3 h 08 min
